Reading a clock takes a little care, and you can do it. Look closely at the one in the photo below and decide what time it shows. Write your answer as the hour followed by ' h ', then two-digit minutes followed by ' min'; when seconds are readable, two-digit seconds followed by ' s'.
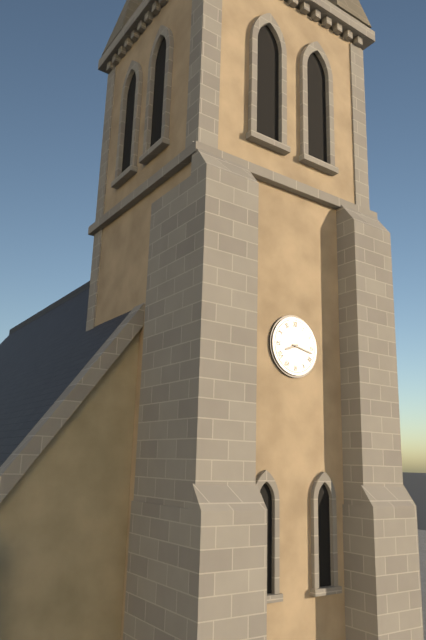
8 h 17 min
